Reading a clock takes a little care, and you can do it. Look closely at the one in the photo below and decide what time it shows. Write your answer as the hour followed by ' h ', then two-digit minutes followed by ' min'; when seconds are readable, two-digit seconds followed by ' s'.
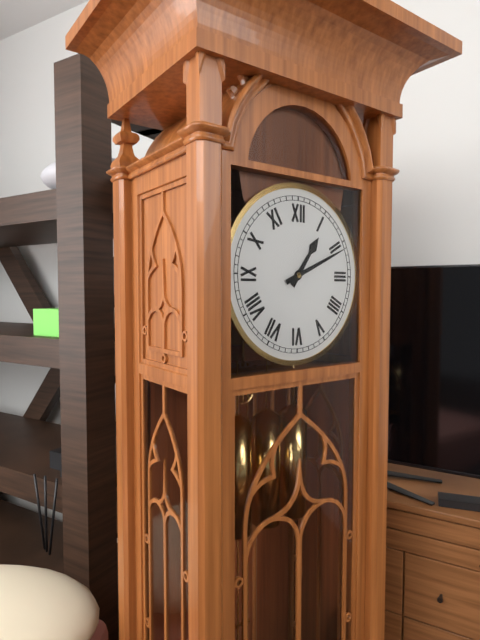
1 h 11 min
